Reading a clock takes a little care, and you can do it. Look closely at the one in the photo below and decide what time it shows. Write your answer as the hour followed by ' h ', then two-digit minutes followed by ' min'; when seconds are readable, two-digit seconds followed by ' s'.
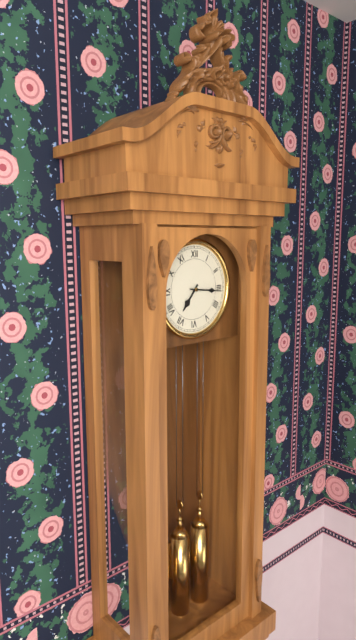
7 h 16 min
